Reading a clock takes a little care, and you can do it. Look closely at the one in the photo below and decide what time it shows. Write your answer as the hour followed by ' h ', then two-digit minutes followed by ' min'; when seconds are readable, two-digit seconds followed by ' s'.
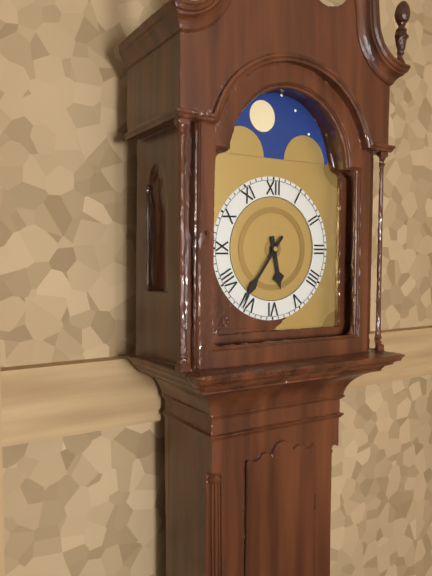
5 h 36 min
